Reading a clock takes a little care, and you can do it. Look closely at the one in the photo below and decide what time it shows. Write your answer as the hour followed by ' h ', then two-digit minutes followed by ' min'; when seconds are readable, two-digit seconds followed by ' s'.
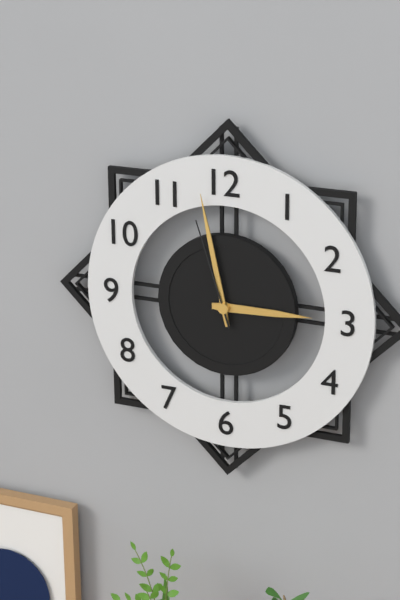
2 h 58 min 57 s
